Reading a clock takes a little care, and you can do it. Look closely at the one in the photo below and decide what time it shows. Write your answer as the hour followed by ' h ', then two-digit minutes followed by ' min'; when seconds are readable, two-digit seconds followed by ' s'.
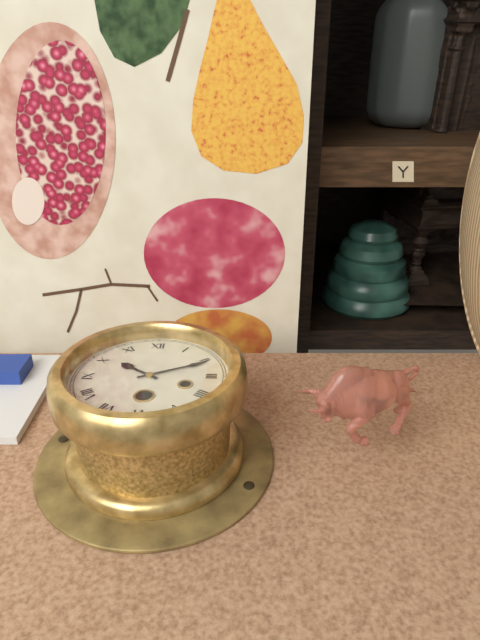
10 h 11 min
